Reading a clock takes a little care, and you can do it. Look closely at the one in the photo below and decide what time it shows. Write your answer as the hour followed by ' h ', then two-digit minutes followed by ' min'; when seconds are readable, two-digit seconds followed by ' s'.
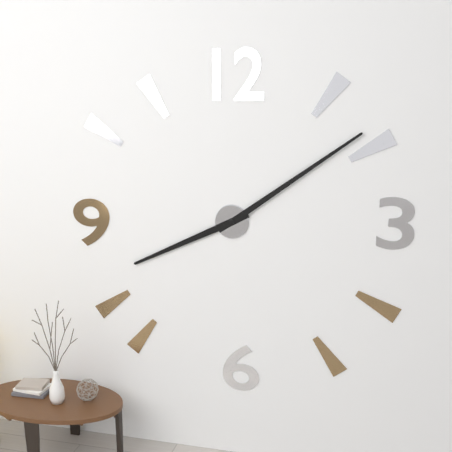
8 h 09 min
